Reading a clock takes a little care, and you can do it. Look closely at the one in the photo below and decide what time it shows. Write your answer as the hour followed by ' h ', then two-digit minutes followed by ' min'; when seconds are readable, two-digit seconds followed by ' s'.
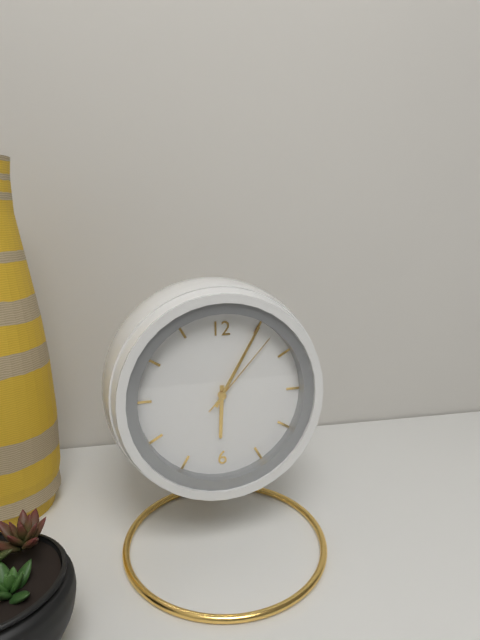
6 h 05 min 07 s
